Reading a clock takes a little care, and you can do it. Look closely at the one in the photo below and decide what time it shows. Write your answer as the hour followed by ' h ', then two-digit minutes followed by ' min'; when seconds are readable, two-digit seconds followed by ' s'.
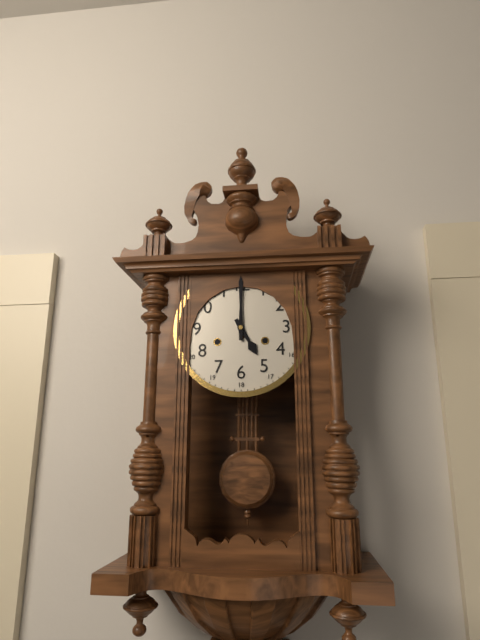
5 h 00 min
